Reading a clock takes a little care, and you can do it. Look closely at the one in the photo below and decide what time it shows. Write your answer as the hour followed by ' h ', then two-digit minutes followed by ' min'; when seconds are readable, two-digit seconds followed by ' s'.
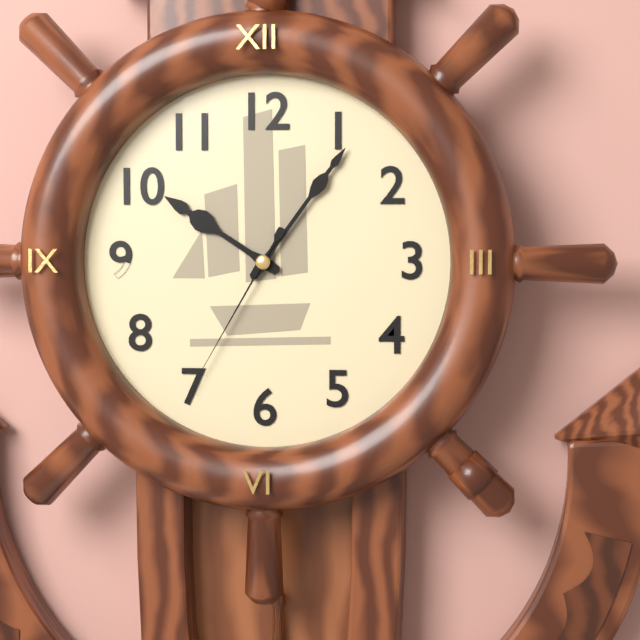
10 h 06 min 35 s
